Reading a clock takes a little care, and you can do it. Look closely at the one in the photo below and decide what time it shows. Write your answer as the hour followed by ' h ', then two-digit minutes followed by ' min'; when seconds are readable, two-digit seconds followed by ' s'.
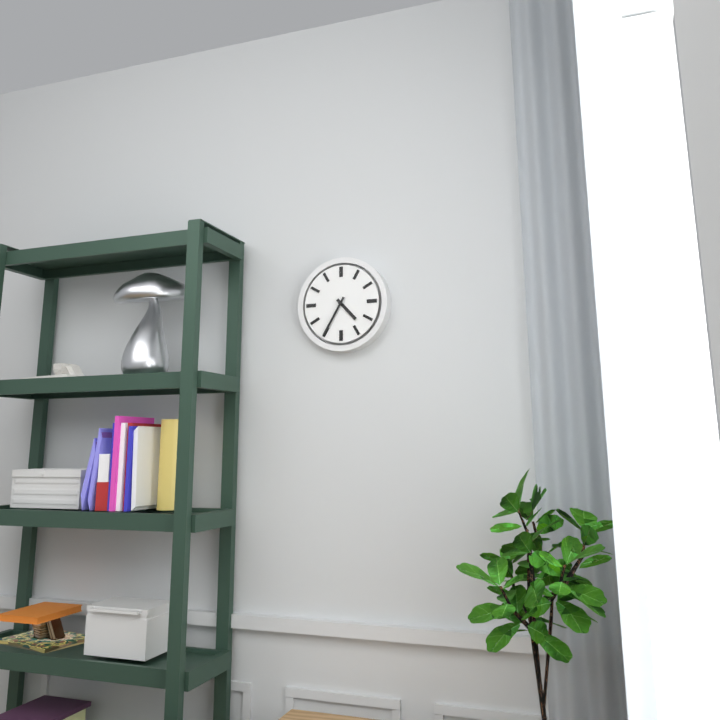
4 h 35 min
